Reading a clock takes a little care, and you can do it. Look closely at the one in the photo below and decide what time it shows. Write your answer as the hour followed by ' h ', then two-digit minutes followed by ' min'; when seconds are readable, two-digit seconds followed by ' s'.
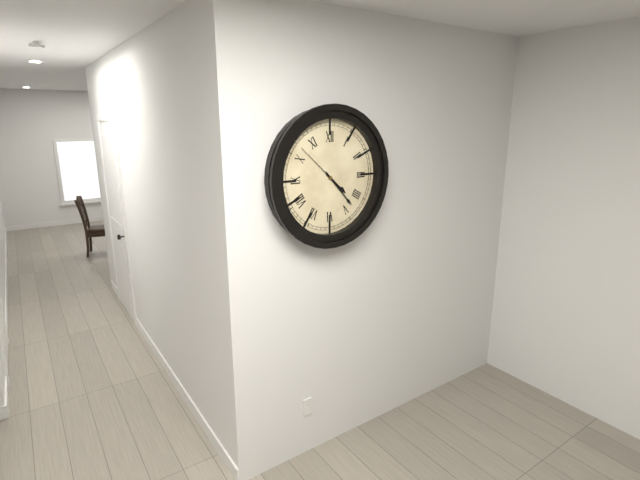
4 h 23 min 52 s
